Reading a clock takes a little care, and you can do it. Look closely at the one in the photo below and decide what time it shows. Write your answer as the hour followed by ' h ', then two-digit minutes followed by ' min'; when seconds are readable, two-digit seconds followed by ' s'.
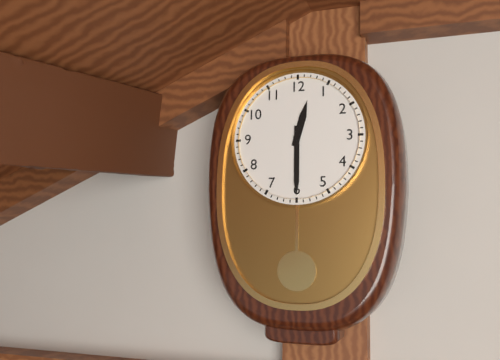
12 h 30 min
